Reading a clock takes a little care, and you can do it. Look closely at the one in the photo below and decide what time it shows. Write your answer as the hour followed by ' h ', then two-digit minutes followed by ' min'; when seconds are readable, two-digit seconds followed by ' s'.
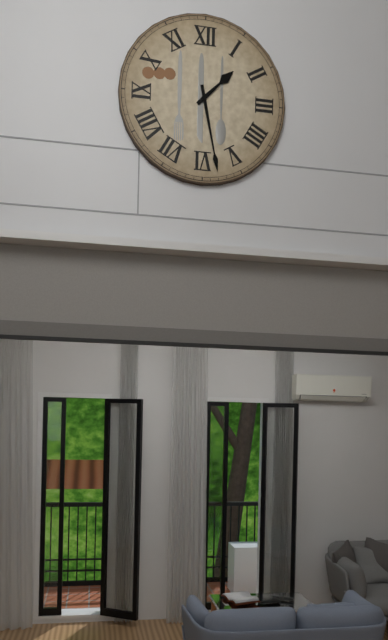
1 h 28 min
